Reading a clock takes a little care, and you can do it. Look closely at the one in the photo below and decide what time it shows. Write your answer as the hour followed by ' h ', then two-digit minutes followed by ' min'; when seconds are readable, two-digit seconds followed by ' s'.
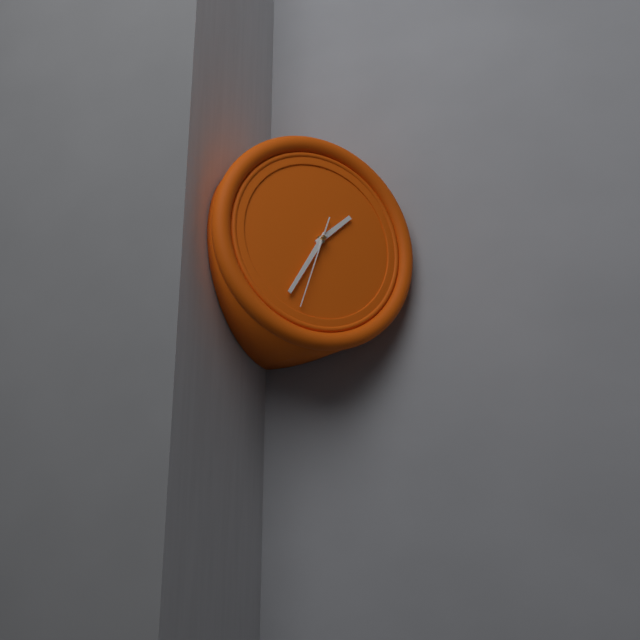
1 h 35 min 33 s
